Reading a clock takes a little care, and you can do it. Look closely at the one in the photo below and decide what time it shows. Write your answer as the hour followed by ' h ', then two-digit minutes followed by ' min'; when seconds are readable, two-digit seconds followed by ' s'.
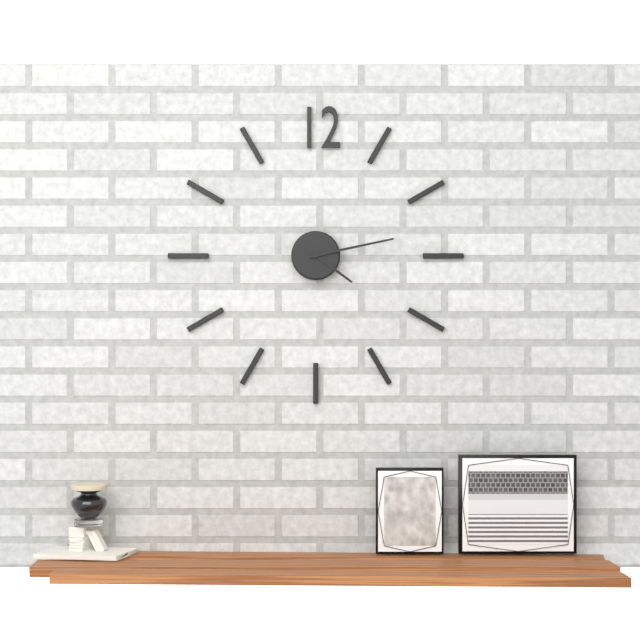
4 h 13 min
